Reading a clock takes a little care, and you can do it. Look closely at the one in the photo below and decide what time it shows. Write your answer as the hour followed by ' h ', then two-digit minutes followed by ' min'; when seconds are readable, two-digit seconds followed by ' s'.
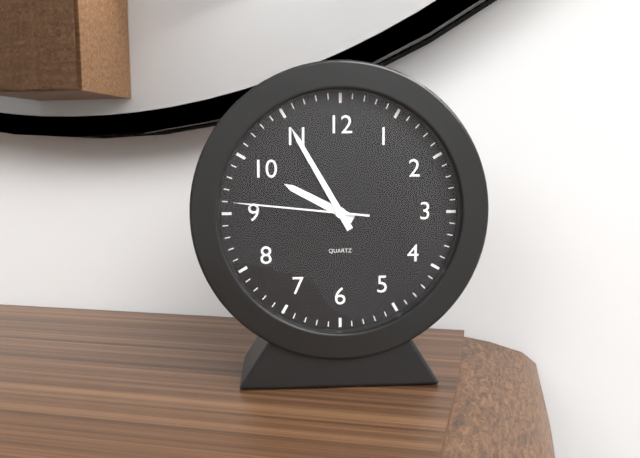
9 h 55 min 46 s
